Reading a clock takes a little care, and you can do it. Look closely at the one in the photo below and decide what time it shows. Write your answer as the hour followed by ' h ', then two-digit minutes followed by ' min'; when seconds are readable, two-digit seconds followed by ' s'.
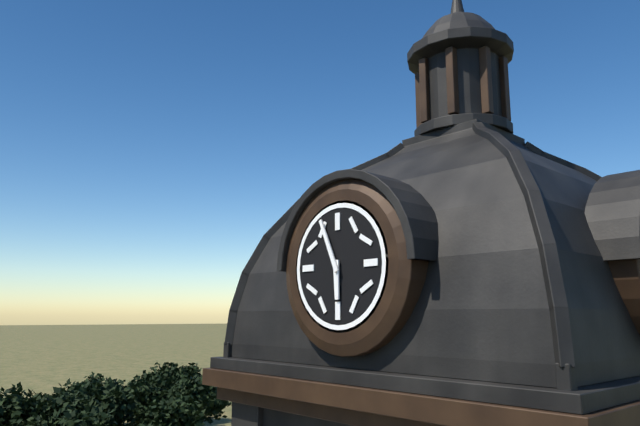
5 h 56 min
